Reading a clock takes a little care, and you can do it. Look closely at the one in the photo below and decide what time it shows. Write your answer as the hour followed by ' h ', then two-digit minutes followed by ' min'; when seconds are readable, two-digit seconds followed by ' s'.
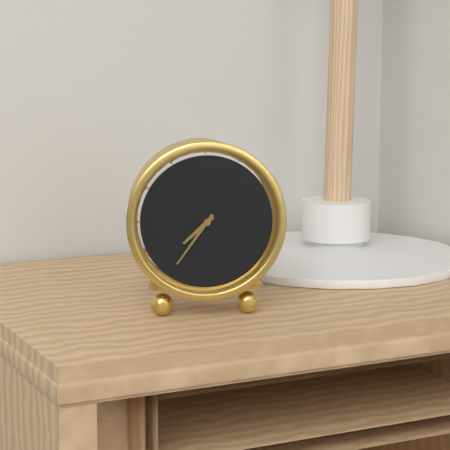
7 h 36 min
